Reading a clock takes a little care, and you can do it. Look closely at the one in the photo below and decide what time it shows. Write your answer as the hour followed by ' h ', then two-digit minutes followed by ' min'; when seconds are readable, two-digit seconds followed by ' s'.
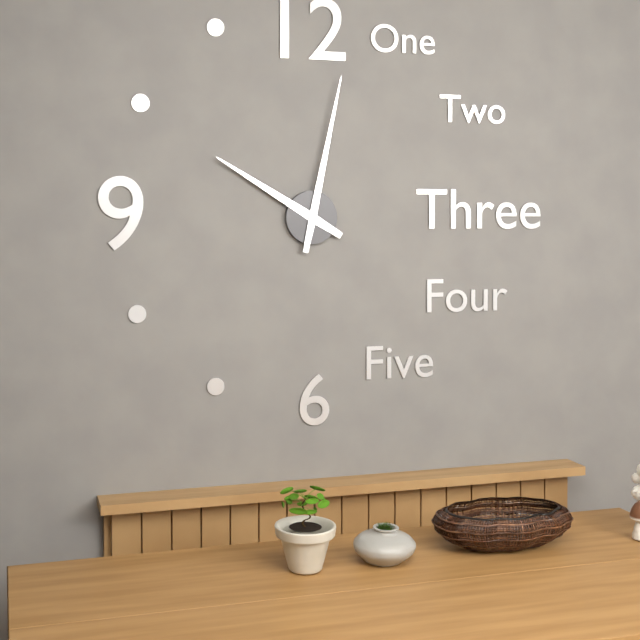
10 h 02 min
